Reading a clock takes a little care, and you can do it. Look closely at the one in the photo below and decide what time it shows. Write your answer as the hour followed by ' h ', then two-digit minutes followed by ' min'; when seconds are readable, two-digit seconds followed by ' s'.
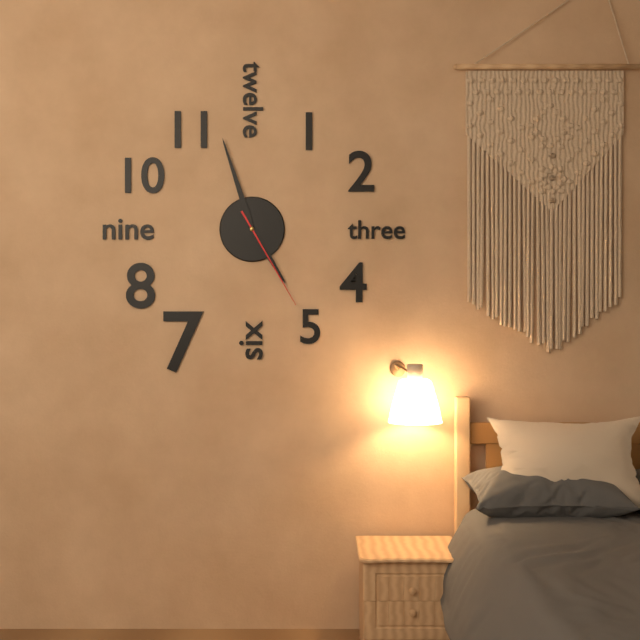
4 h 57 min 25 s
